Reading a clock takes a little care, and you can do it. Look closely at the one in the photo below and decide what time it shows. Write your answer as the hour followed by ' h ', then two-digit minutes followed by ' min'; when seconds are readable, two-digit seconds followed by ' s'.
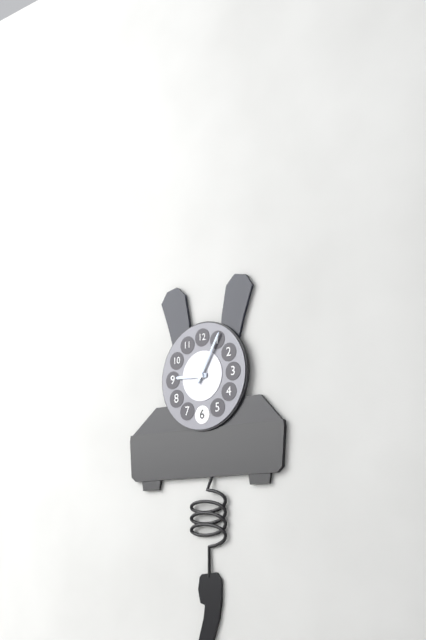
9 h 05 min
